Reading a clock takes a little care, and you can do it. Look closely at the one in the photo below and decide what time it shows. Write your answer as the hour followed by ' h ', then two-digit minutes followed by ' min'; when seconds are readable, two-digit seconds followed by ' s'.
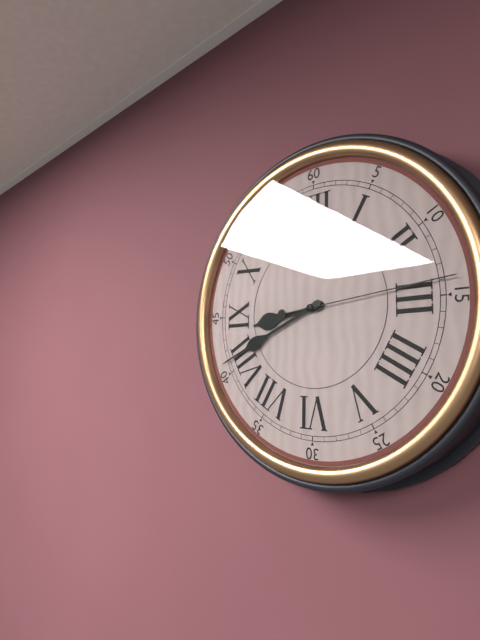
8 h 41 min 14 s
